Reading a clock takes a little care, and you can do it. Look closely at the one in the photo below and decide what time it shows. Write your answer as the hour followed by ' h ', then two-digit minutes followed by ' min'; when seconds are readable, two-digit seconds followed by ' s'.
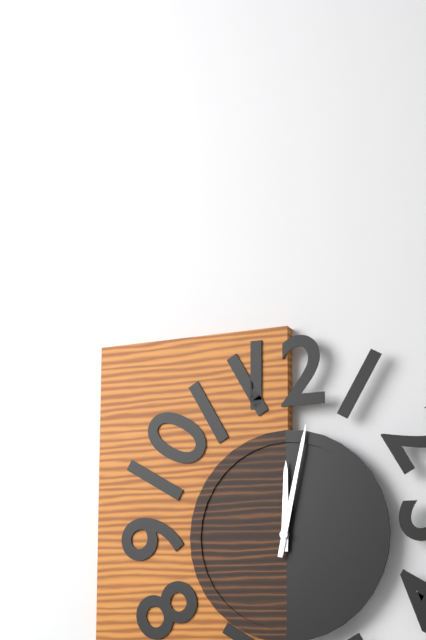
12 h 02 min
